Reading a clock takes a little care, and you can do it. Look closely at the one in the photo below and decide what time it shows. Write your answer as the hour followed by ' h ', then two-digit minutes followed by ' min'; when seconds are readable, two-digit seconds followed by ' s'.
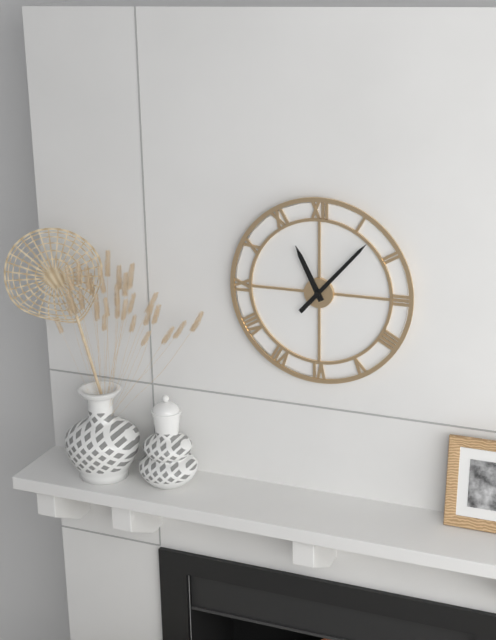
11 h 07 min
